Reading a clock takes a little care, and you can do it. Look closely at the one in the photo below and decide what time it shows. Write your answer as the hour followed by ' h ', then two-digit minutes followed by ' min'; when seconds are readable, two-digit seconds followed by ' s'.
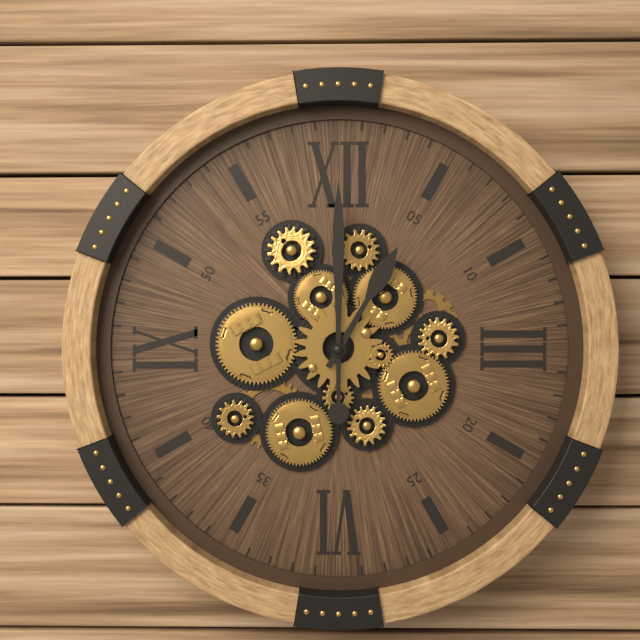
1 h 00 min
